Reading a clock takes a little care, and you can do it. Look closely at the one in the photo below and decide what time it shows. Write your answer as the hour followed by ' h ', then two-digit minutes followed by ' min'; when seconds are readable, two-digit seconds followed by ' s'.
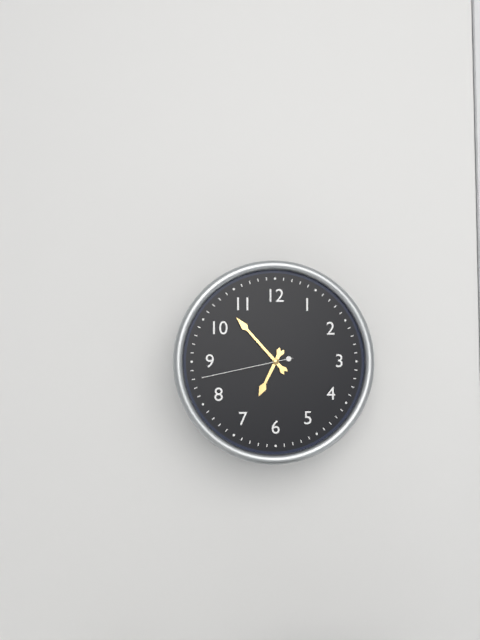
6 h 53 min 43 s
